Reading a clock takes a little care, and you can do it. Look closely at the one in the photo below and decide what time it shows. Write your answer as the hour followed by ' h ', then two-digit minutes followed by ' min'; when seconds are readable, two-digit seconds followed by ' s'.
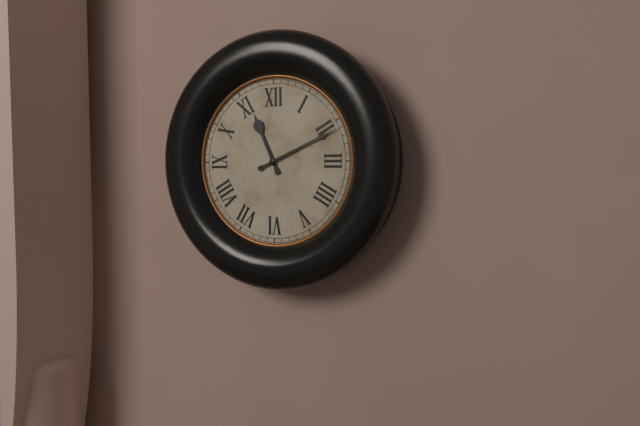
11 h 11 min
